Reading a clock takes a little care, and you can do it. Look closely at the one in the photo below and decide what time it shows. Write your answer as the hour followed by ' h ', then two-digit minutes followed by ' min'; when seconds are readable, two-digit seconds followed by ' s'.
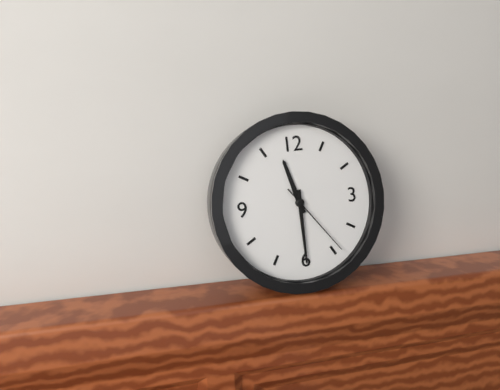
11 h 30 min 24 s
